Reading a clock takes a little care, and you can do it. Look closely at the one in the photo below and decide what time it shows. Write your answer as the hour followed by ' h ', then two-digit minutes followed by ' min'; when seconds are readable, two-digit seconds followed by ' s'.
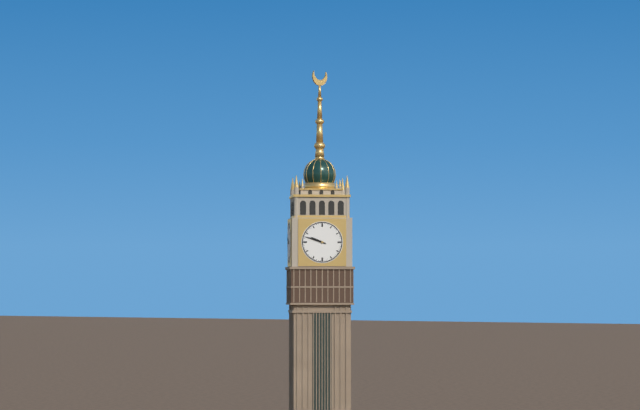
9 h 48 min
